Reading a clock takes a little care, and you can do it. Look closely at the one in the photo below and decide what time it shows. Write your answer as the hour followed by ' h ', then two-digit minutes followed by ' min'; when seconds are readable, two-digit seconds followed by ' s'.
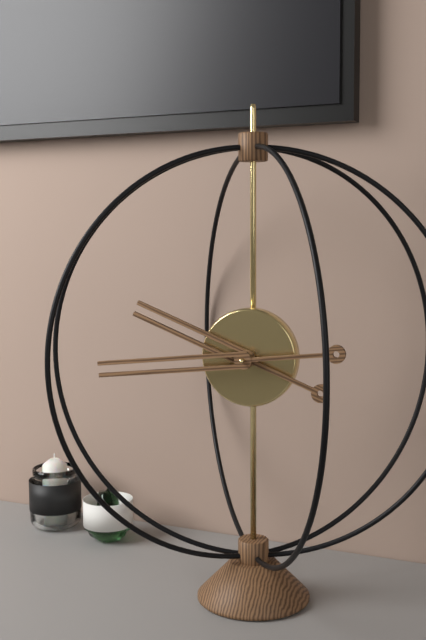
9 h 44 min
